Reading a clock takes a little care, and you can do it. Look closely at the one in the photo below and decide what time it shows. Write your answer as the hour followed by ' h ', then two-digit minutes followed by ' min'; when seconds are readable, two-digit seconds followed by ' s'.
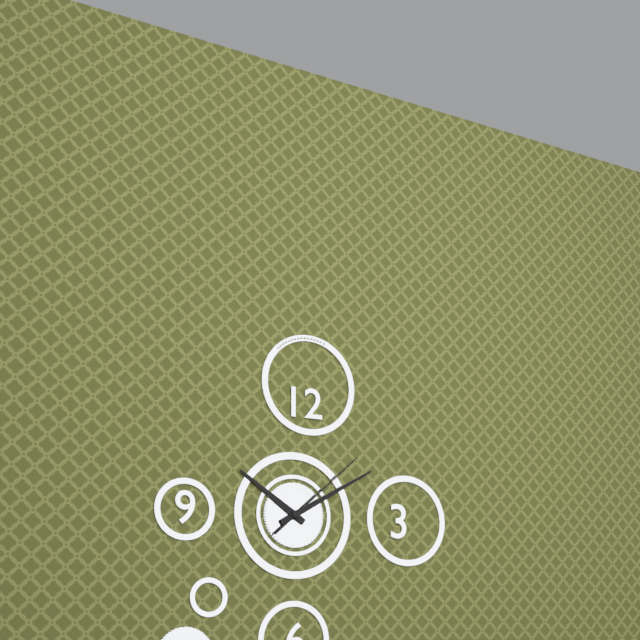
10 h 10 min 08 s
